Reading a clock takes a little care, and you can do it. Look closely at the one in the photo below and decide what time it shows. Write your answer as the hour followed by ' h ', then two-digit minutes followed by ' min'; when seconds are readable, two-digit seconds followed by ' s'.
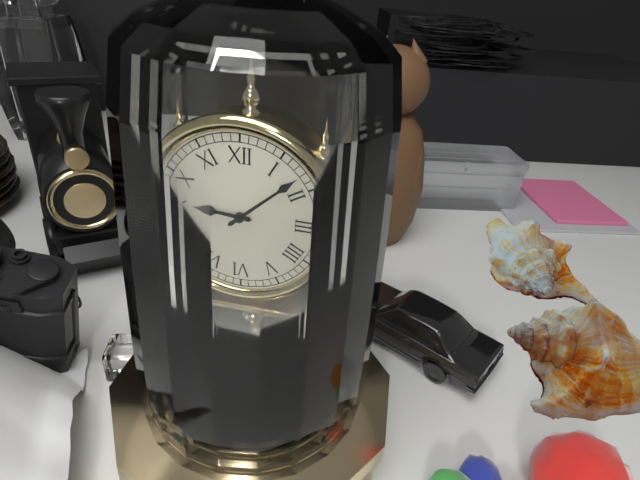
9 h 08 min
